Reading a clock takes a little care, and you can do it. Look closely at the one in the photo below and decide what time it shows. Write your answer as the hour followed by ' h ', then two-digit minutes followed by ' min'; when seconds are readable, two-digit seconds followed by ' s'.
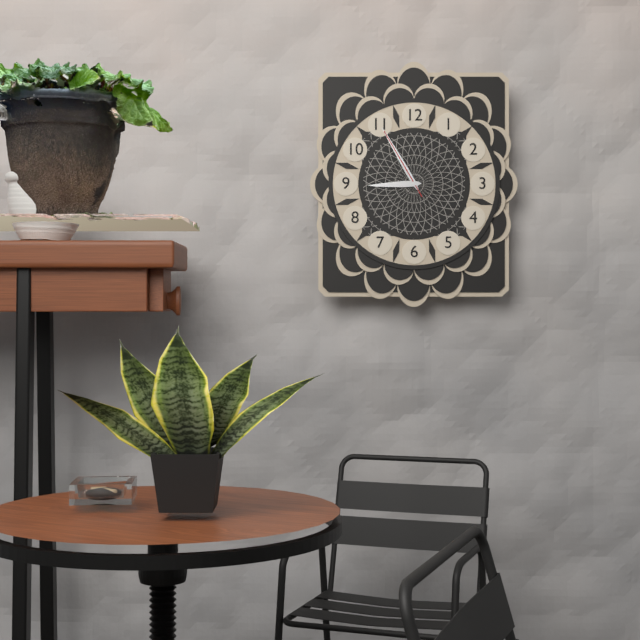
8 h 55 min 55 s
